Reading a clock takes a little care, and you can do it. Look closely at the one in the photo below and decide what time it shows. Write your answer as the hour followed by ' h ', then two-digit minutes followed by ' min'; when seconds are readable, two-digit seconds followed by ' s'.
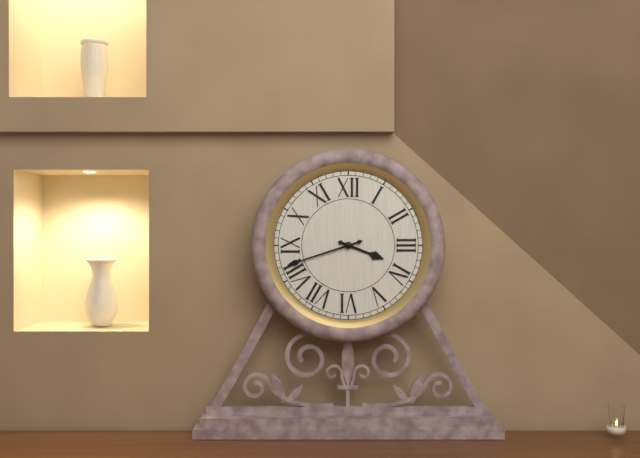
3 h 42 min
